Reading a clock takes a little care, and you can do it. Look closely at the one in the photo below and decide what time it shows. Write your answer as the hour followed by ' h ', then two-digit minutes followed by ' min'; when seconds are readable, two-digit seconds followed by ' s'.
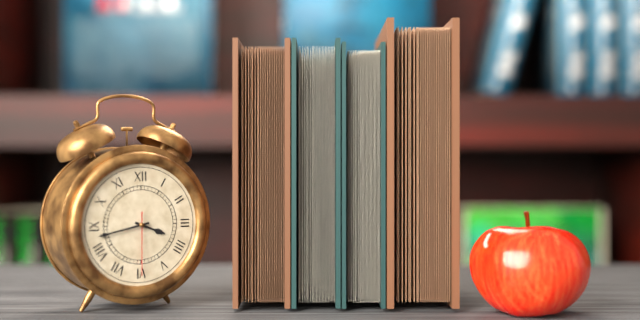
3 h 43 min 30 s
